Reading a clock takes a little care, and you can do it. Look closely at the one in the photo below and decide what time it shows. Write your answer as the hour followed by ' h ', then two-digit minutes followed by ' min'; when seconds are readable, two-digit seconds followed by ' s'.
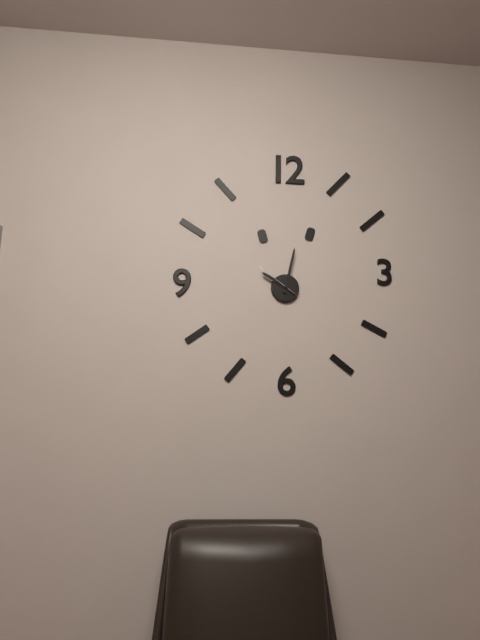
10 h 02 min
